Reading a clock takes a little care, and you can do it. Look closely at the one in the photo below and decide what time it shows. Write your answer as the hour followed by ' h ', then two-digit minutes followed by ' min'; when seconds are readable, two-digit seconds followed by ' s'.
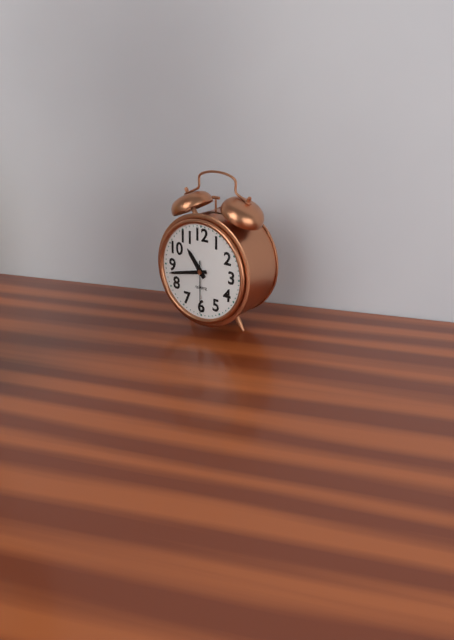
10 h 43 min 30 s
